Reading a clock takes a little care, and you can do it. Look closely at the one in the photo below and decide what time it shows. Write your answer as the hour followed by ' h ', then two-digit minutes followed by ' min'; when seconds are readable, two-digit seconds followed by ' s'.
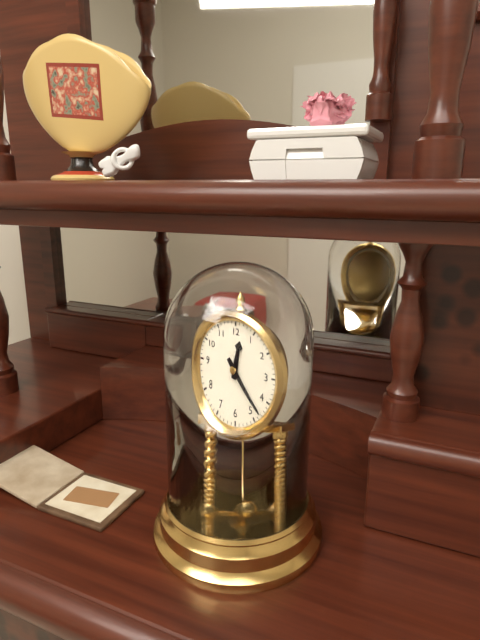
12 h 23 min
